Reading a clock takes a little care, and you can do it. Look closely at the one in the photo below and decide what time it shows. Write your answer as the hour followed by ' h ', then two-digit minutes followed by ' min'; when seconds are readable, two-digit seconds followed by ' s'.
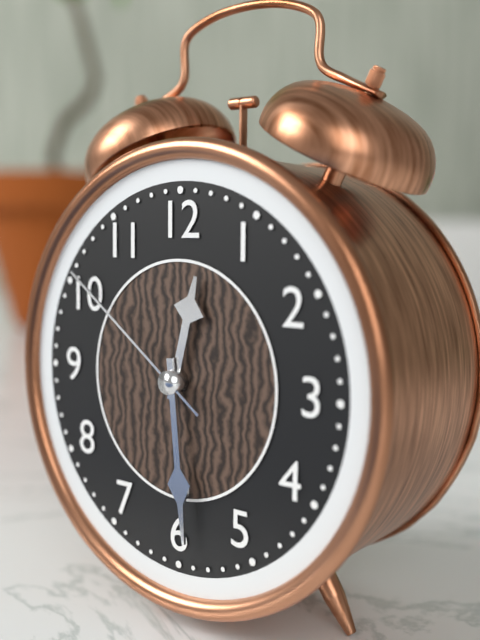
12 h 29 min 51 s
